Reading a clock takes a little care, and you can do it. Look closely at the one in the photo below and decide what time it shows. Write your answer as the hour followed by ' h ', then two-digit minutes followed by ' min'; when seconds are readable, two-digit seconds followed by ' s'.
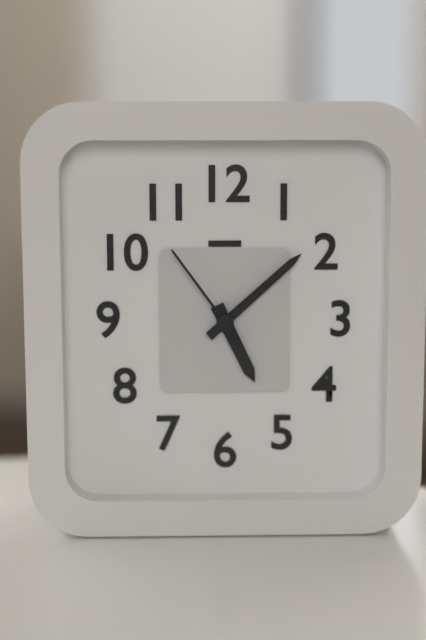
5 h 08 min 54 s
